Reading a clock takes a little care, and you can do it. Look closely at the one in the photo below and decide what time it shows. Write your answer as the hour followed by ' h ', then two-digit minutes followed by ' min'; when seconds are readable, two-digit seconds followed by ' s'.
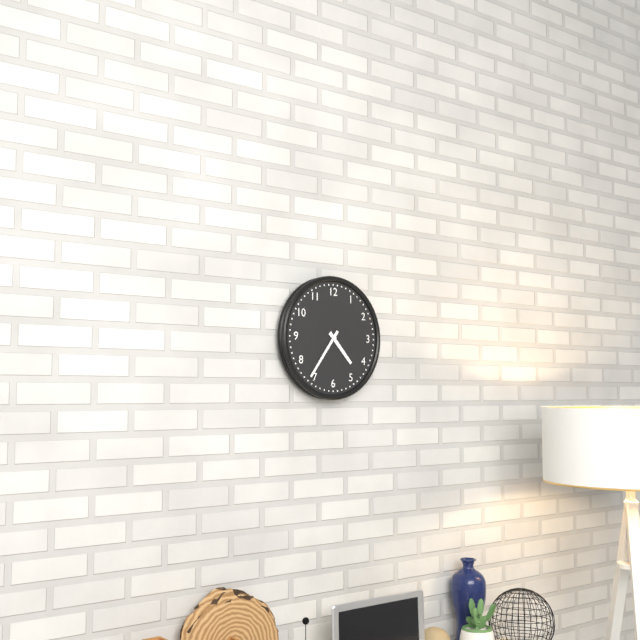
4 h 36 min
